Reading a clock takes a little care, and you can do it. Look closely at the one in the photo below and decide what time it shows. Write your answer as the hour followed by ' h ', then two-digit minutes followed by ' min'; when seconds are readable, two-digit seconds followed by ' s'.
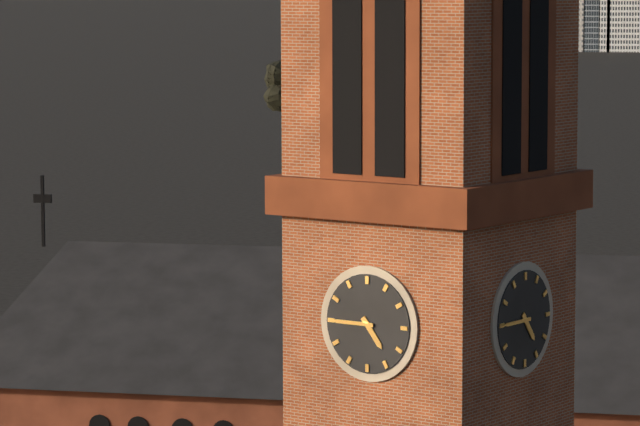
4 h 45 min
